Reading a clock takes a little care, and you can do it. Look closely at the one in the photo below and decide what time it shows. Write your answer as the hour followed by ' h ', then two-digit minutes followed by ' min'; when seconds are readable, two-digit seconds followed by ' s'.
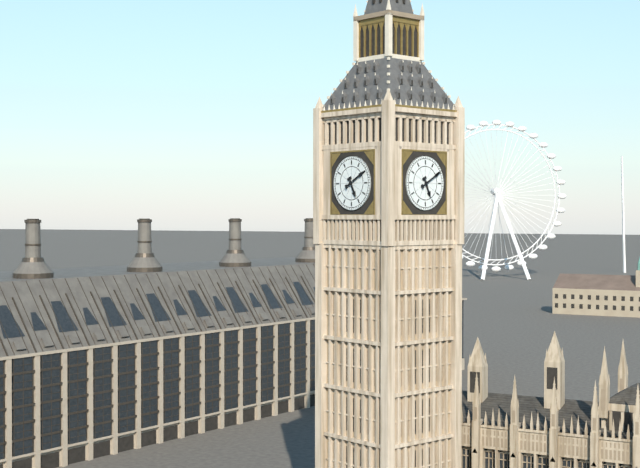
5 h 10 min
